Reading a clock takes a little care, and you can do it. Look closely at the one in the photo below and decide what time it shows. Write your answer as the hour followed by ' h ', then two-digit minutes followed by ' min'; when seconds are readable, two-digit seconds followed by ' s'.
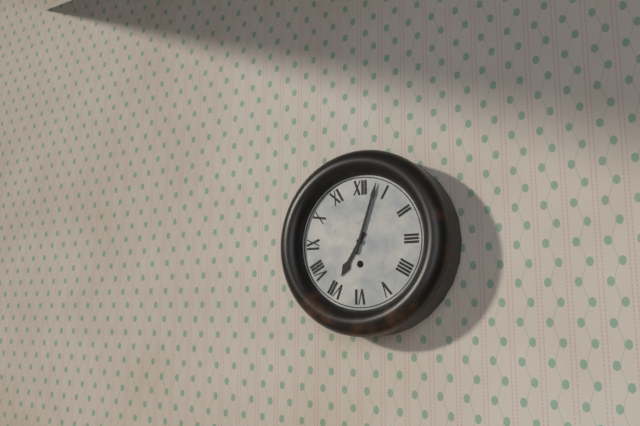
7 h 03 min
